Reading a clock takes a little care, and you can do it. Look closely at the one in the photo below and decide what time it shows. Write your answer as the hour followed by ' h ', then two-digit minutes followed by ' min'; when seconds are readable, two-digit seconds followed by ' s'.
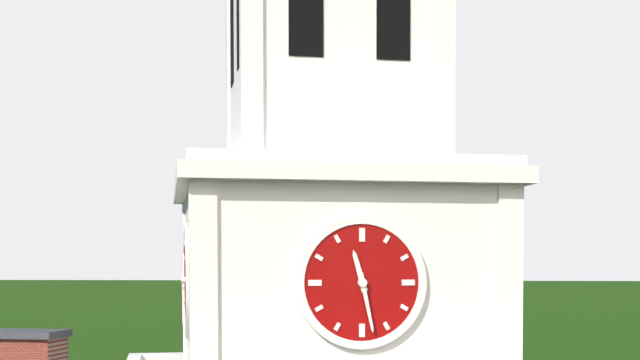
11 h 28 min
